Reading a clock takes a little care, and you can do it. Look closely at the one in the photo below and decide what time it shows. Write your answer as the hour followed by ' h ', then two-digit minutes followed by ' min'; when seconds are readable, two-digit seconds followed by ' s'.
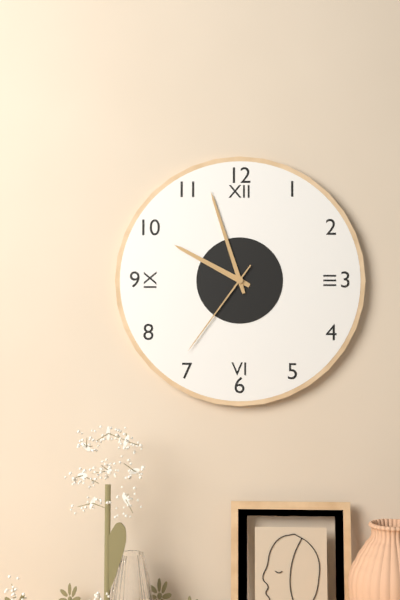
9 h 57 min 36 s
